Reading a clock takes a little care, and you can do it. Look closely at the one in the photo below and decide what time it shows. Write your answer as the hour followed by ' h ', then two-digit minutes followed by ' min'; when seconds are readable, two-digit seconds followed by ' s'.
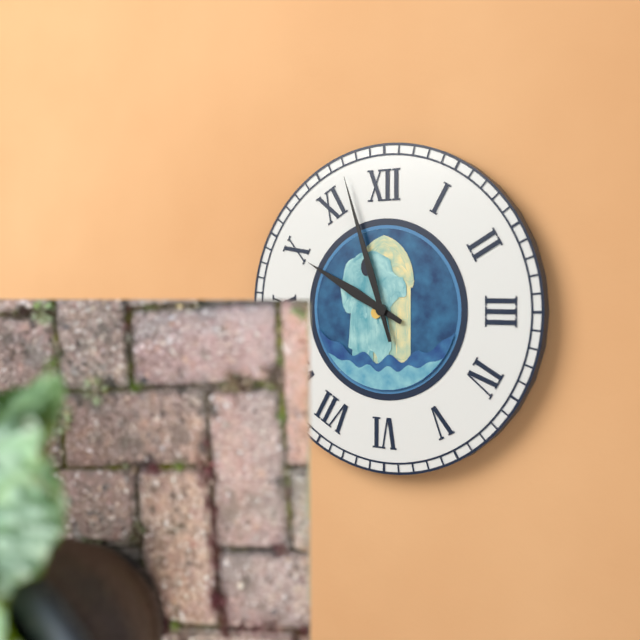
9 h 57 min
